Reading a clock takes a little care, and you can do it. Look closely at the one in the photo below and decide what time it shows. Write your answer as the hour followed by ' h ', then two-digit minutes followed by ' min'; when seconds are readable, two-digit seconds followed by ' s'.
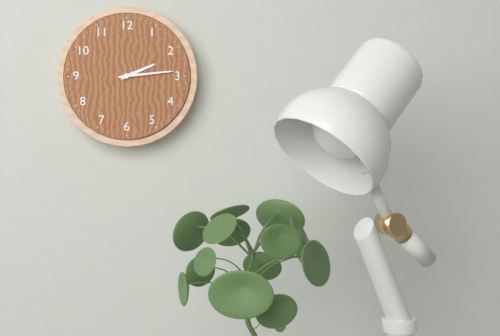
2 h 14 min
